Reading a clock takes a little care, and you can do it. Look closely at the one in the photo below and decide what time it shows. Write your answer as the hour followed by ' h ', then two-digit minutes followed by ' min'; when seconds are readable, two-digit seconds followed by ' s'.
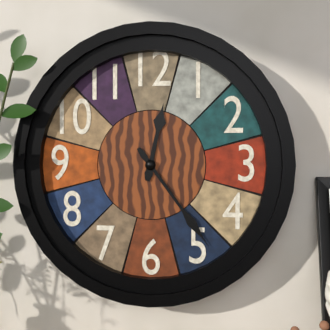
12 h 24 min
